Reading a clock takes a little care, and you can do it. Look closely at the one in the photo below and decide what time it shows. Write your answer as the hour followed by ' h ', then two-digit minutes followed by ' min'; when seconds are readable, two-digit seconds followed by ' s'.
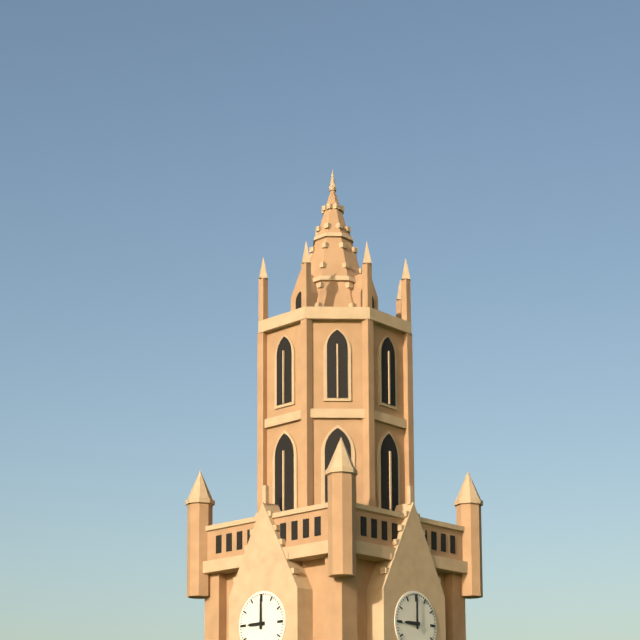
9 h 00 min
